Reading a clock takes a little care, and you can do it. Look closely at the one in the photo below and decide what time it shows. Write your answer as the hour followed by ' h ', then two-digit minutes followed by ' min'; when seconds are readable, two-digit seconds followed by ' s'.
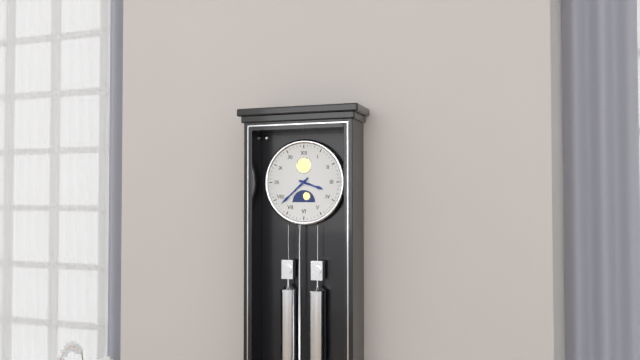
3 h 38 min
